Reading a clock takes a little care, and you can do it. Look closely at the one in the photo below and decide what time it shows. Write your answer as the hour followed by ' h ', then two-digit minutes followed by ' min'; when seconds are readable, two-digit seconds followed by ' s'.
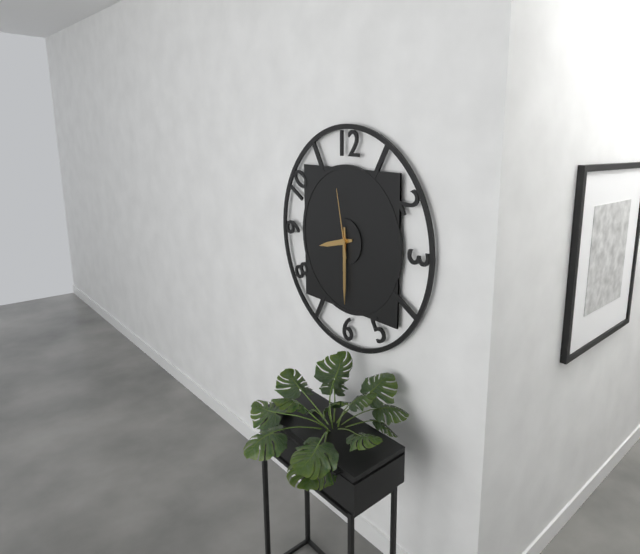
8 h 30 min 58 s
